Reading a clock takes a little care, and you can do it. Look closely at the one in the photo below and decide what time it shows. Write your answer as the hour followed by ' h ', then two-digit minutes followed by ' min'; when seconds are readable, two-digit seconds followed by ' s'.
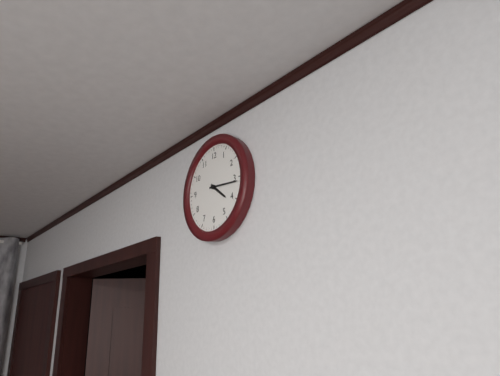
4 h 16 min
